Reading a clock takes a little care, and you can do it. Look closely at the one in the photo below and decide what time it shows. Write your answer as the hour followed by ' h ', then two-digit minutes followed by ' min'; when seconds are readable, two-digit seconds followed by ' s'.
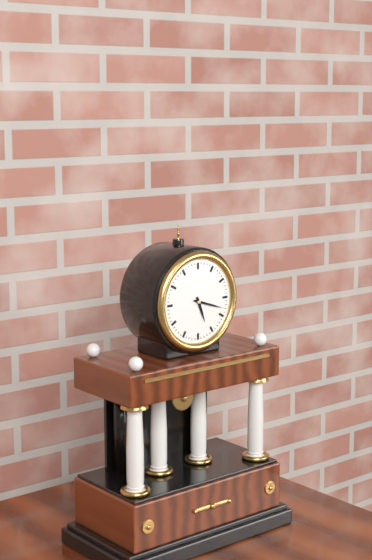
5 h 18 min
